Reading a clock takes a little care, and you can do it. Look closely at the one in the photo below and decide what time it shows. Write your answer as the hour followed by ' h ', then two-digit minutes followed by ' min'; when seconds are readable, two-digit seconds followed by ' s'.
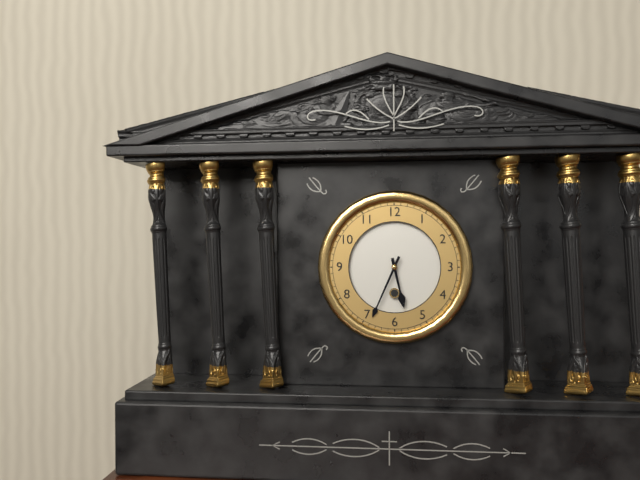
5 h 34 min
